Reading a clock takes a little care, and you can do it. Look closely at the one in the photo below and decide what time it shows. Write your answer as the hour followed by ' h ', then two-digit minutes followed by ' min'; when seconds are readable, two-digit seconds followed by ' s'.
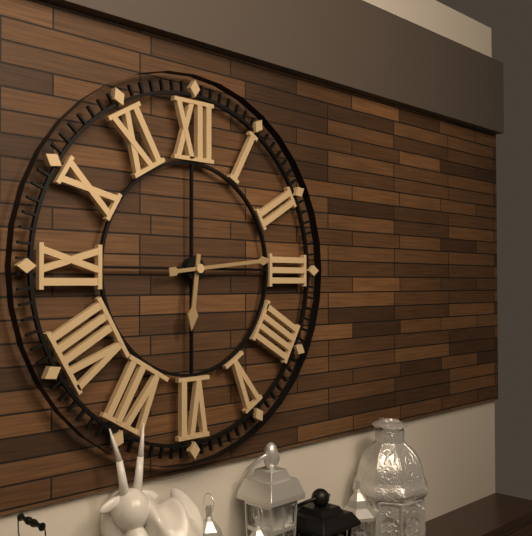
6 h 14 min
